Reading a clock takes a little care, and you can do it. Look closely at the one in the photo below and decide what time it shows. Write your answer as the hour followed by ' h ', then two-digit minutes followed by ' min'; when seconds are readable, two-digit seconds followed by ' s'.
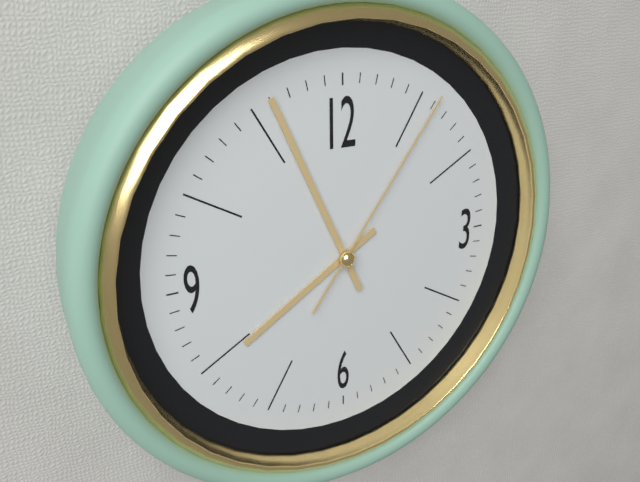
7 h 56 min 06 s
